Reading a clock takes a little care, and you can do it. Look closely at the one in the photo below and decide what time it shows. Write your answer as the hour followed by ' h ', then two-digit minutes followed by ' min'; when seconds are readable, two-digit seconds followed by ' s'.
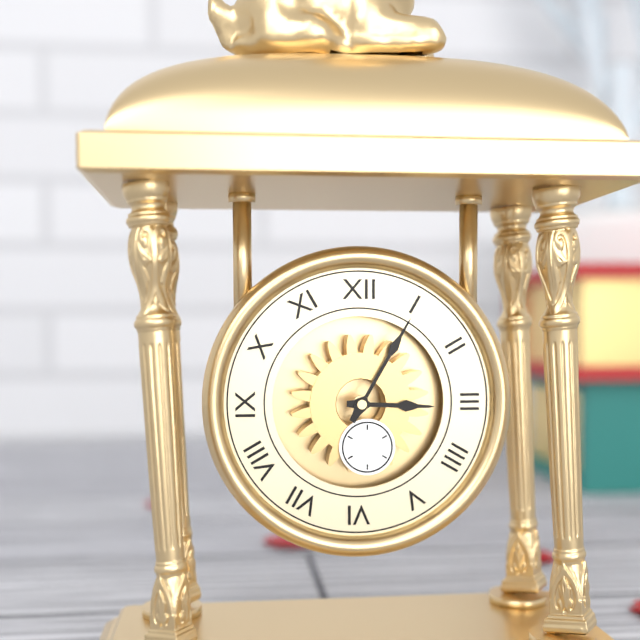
3 h 05 min
